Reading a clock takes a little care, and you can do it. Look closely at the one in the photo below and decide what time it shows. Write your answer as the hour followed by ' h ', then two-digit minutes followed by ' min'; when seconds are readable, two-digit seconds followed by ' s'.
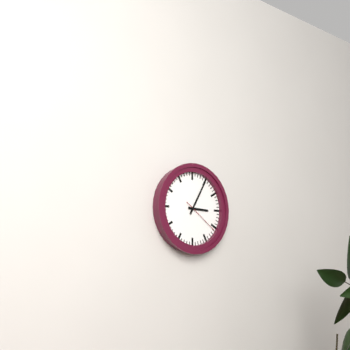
3 h 05 min
